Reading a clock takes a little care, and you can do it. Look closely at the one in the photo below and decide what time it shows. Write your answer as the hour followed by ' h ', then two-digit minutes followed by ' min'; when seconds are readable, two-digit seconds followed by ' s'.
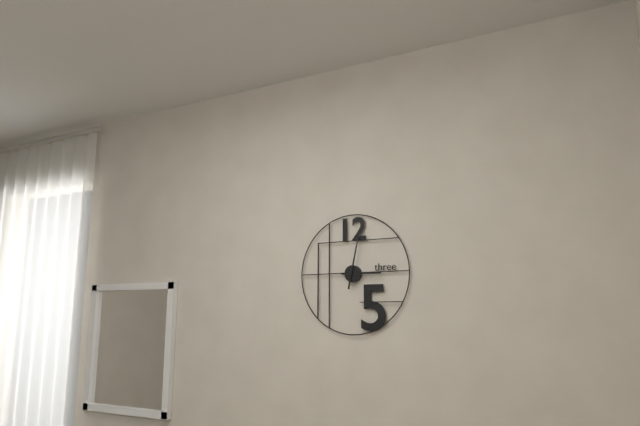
3 h 02 min
